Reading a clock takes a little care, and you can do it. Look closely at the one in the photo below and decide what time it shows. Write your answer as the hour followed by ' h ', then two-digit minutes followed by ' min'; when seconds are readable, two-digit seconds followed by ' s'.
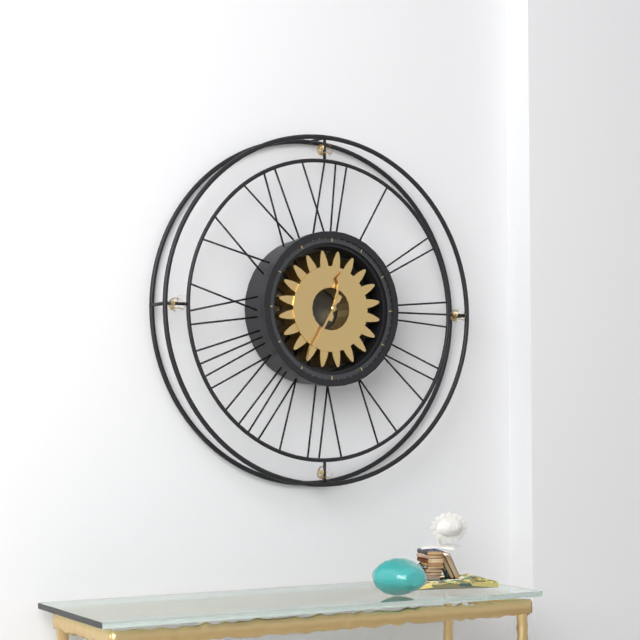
12 h 35 min
